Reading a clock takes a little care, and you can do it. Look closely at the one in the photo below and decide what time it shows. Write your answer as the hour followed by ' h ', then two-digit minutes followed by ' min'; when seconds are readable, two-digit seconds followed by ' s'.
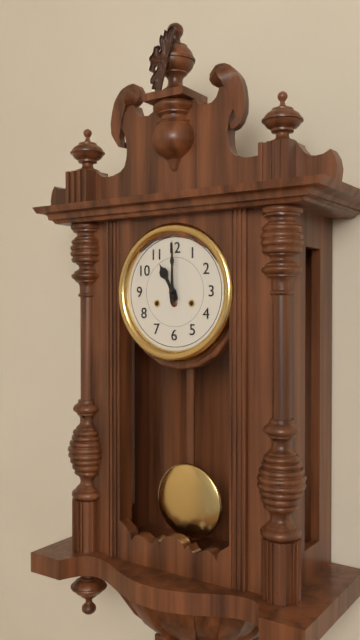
11 h 00 min
